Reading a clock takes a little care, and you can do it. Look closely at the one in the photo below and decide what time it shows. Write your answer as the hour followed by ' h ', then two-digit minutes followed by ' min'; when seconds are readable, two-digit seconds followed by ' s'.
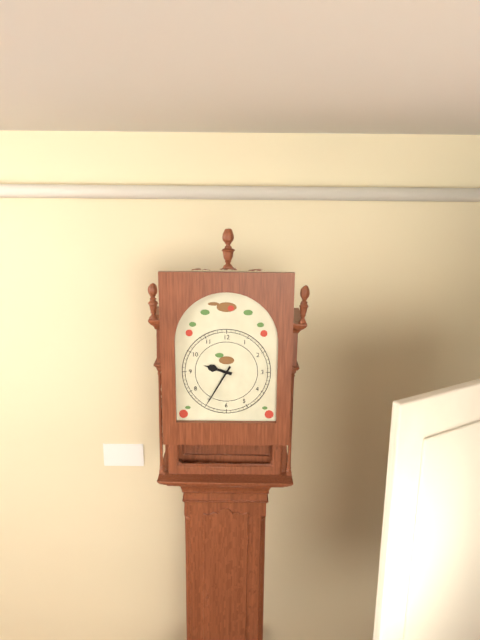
9 h 35 min
